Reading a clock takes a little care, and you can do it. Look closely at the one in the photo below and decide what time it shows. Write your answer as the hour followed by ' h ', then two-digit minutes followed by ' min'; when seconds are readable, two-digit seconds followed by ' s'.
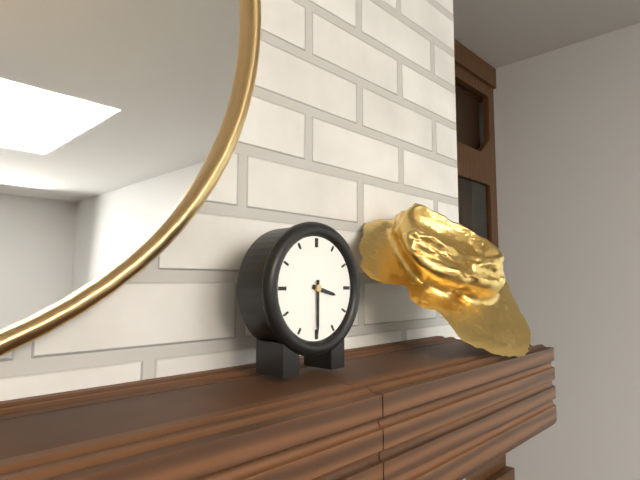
3 h 30 min
